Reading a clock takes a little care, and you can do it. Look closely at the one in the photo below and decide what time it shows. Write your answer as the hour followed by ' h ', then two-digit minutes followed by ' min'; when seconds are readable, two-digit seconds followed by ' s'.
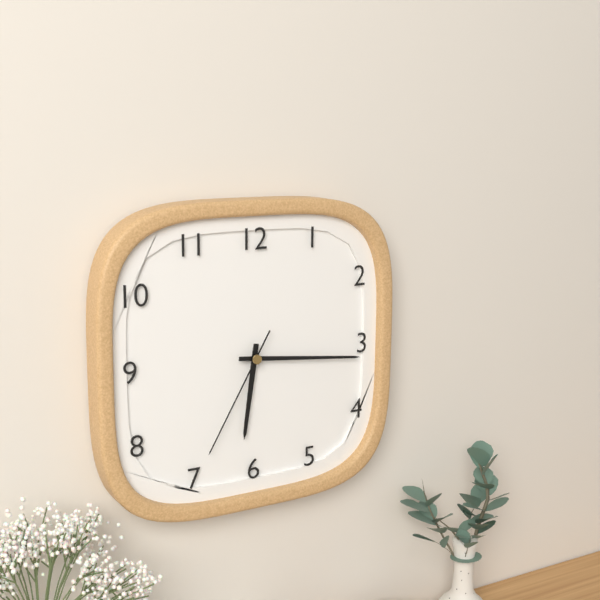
6 h 16 min 35 s
